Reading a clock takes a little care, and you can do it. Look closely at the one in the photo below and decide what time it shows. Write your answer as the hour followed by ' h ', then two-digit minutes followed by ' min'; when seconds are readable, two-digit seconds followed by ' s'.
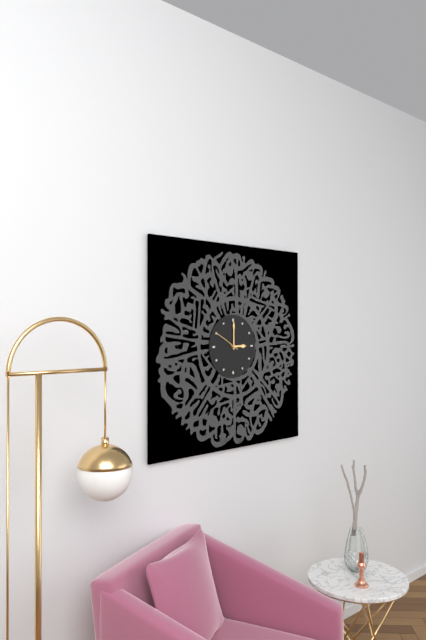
3 h 00 min
